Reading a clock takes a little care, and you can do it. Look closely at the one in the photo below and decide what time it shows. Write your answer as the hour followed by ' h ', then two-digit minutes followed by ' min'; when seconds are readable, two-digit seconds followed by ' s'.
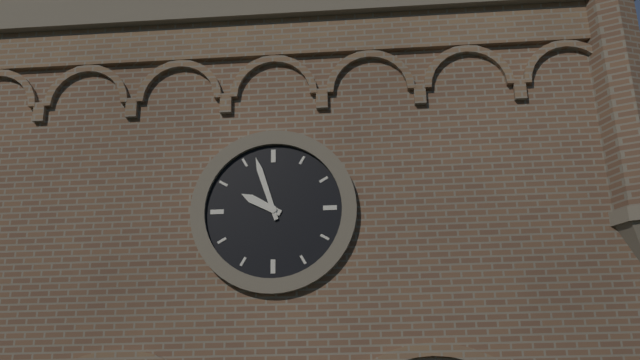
9 h 57 min
